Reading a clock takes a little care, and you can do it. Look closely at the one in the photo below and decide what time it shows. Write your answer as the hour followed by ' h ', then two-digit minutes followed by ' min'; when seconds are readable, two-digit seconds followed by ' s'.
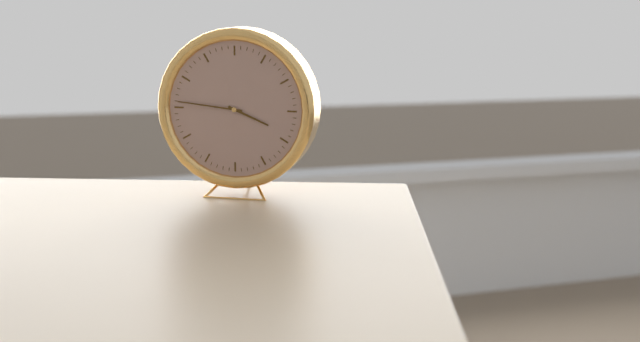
3 h 46 min
